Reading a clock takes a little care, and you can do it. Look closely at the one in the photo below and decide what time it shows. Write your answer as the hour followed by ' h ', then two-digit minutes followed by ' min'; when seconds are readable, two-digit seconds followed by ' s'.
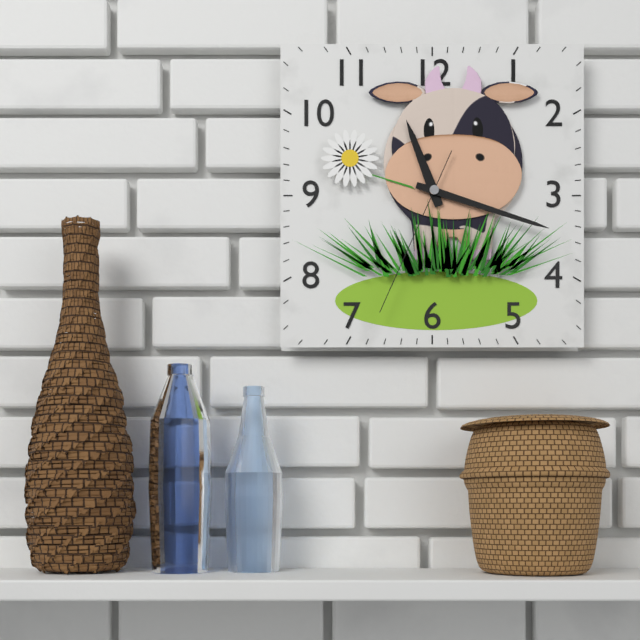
11 h 18 min 34 s
